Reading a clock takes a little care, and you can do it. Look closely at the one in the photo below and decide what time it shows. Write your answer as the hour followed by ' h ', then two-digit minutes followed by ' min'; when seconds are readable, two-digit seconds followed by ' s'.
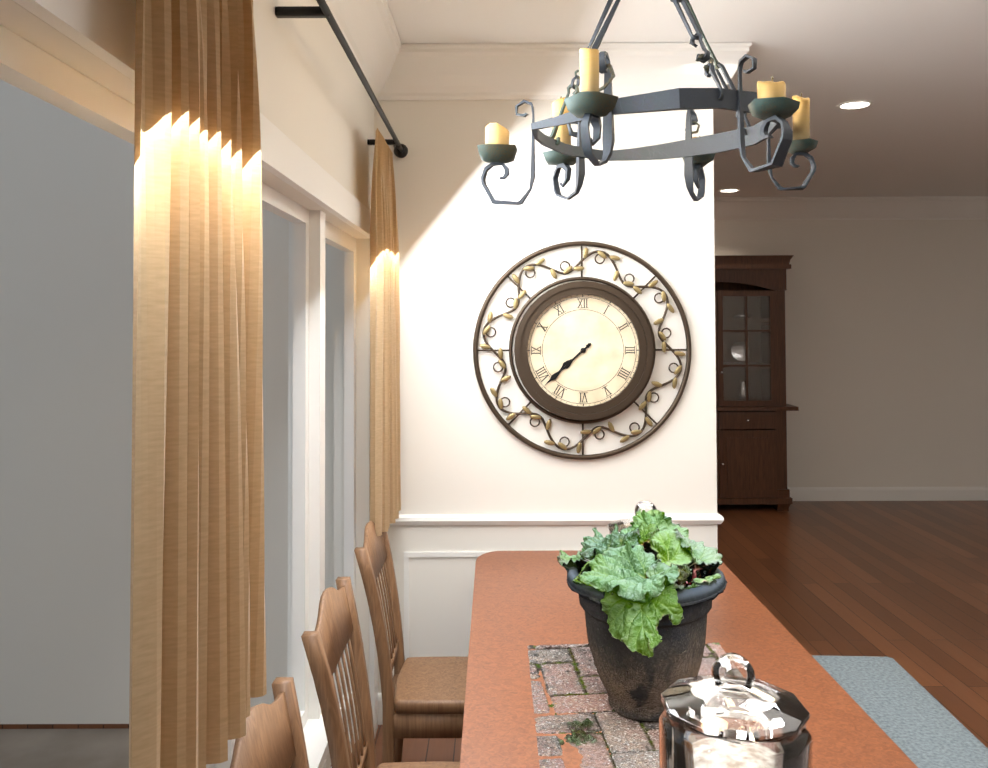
7 h 38 min
